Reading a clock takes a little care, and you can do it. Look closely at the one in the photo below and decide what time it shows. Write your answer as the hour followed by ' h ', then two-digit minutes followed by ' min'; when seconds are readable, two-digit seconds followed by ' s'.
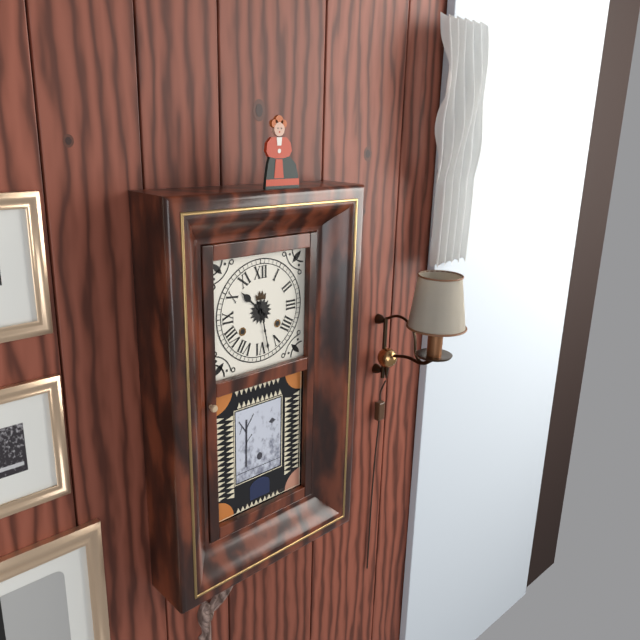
10 h 28 min
